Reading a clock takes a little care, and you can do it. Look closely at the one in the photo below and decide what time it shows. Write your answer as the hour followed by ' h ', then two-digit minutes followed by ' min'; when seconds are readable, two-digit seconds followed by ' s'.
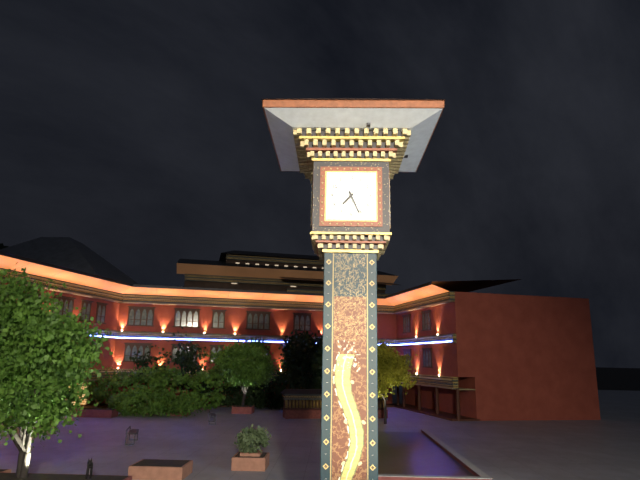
7 h 26 min
